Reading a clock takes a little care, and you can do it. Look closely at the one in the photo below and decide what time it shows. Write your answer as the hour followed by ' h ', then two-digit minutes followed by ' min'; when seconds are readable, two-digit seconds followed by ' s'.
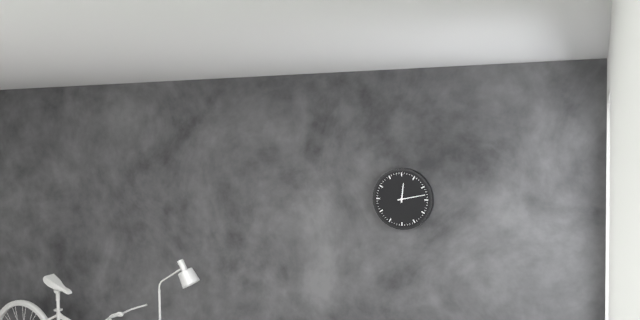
12 h 13 min
